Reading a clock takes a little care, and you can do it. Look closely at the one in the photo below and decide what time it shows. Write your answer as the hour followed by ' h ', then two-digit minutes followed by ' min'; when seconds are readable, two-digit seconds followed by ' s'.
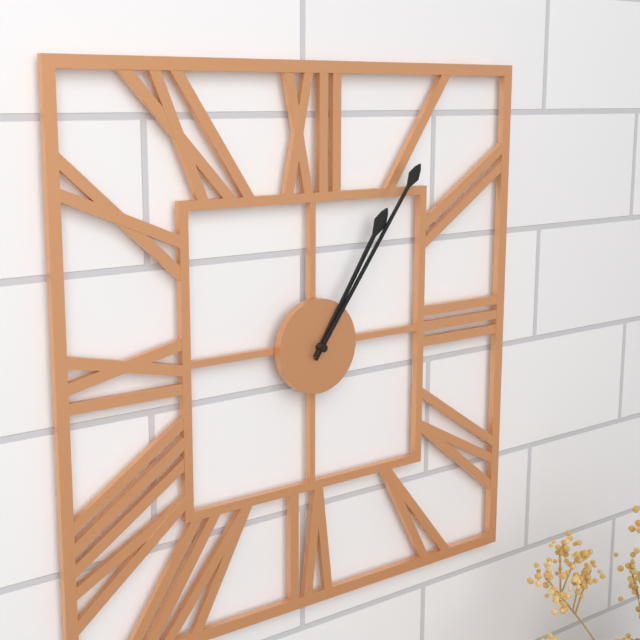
1 h 06 min
